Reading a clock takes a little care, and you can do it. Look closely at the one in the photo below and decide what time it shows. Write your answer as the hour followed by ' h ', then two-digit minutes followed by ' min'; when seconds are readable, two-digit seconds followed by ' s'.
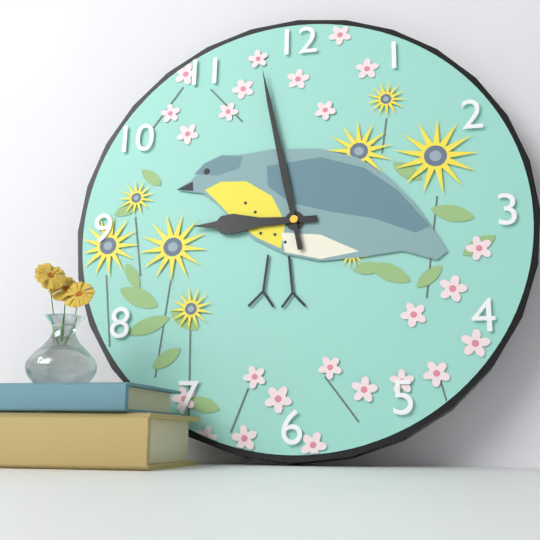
8 h 58 min
